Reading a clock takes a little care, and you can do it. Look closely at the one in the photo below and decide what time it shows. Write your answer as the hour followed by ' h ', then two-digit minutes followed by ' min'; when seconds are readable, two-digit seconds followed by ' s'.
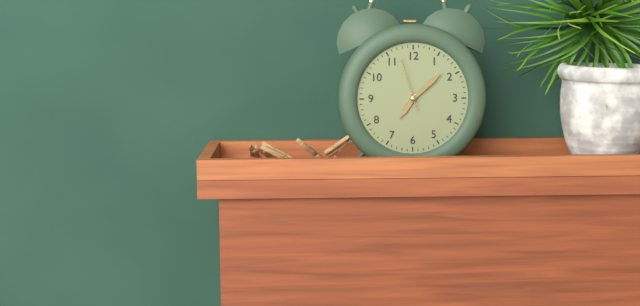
7 h 08 min 57 s
